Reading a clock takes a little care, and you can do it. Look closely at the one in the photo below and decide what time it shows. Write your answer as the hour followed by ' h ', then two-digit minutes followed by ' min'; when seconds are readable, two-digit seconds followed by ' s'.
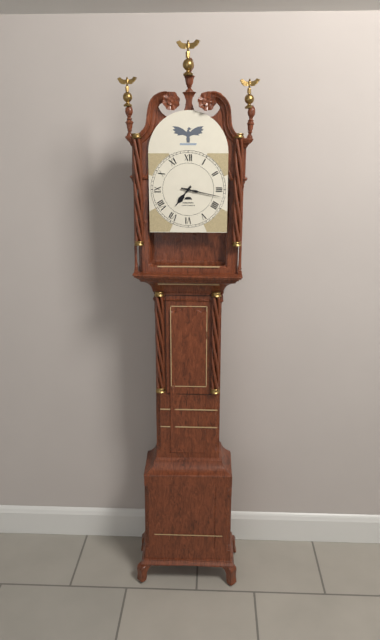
7 h 17 min
